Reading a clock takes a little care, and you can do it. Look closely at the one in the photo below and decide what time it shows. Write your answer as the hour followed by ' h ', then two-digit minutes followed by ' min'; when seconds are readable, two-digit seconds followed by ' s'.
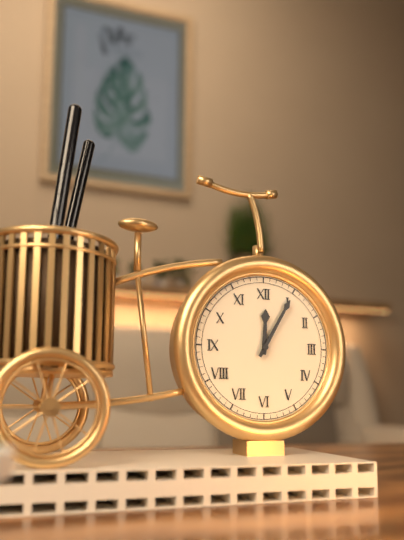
12 h 05 min
